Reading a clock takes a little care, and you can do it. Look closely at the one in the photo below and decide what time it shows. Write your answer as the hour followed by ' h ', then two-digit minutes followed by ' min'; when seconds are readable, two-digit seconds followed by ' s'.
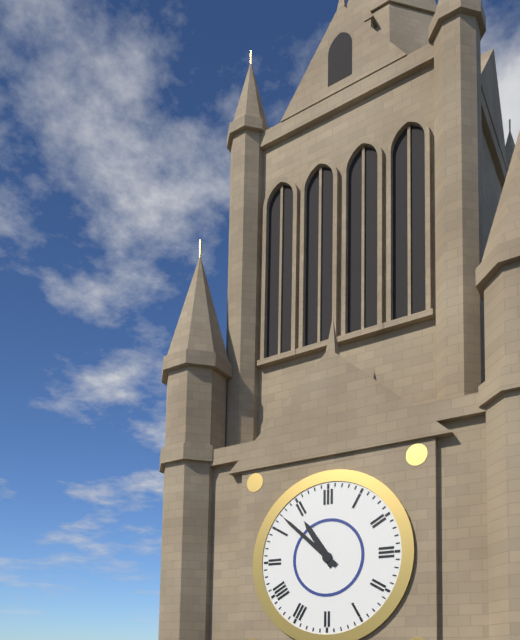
10 h 52 min
